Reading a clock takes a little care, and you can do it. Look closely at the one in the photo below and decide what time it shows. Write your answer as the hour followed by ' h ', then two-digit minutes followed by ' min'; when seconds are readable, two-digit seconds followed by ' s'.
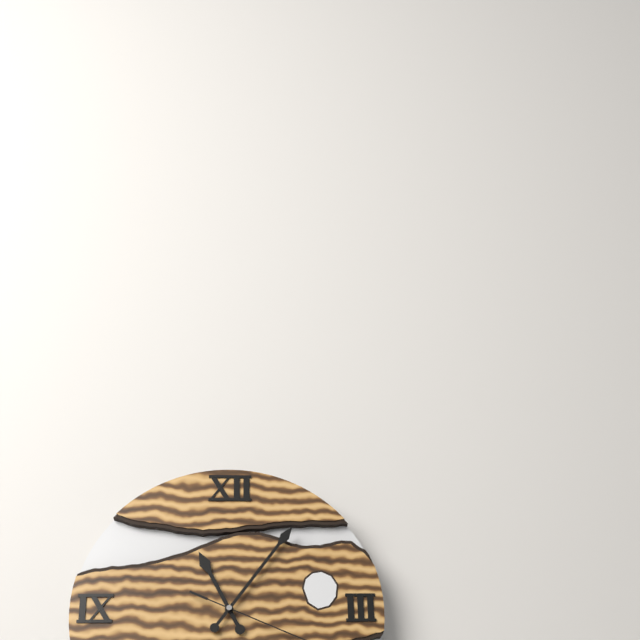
11 h 06 min
